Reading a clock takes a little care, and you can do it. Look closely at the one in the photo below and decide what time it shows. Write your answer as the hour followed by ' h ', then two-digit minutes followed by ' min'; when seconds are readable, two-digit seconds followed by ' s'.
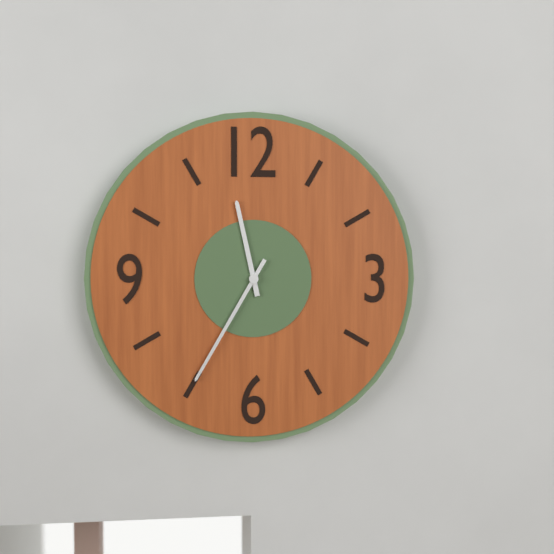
11 h 35 min
